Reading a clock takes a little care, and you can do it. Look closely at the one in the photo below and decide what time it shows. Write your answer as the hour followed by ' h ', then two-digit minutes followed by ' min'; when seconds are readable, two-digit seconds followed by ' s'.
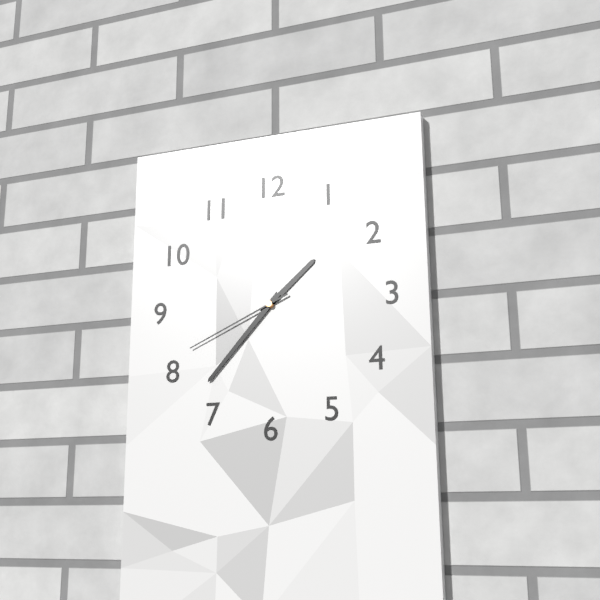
1 h 37 min 41 s
